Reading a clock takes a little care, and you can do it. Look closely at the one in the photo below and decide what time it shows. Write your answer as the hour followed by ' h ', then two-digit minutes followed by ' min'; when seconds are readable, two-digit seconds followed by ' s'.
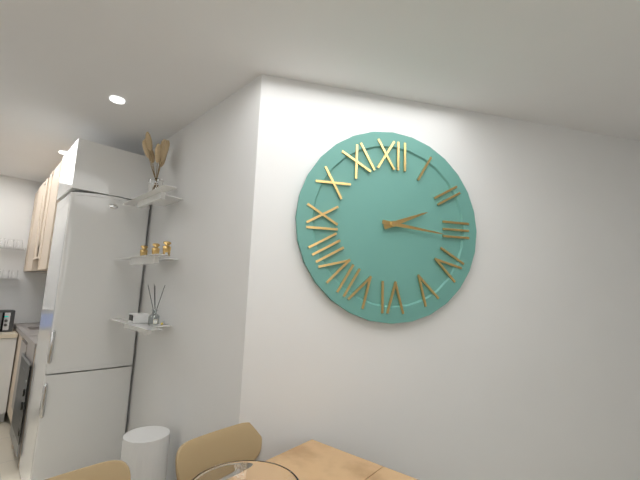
2 h 16 min
